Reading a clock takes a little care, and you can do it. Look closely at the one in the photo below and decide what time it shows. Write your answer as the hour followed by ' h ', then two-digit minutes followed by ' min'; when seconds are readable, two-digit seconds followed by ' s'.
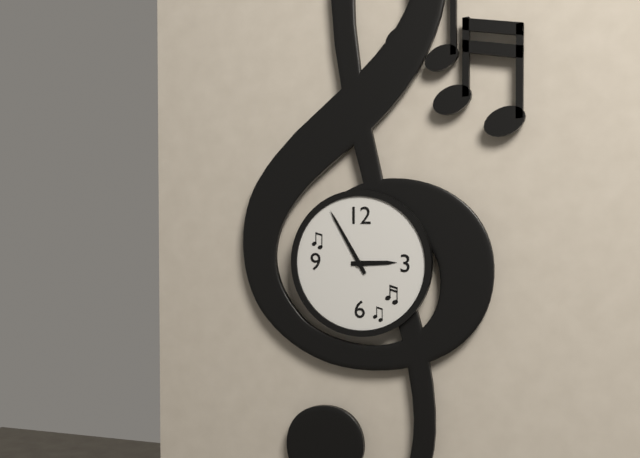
2 h 55 min
